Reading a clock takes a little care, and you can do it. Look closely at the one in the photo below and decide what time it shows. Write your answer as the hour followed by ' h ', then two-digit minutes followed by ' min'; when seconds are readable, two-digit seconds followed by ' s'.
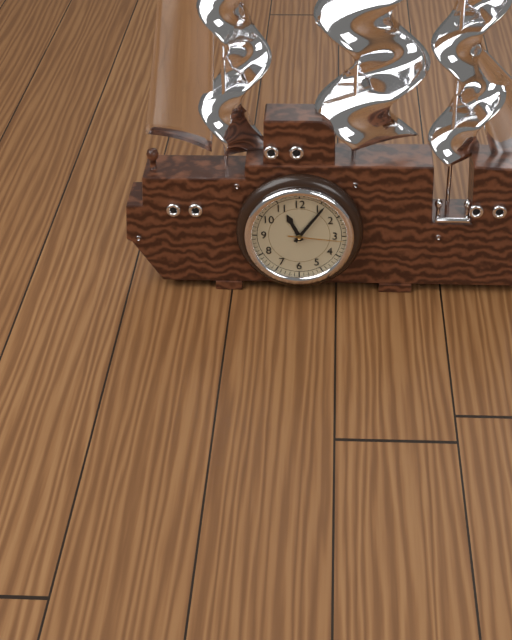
11 h 06 min 16 s
